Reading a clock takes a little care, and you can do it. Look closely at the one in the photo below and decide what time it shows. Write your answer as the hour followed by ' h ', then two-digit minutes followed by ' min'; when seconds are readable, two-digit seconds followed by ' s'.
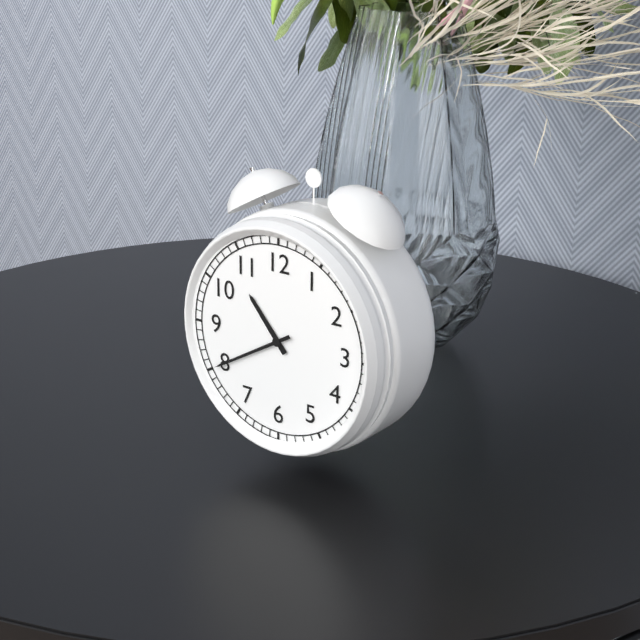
10 h 40 min
